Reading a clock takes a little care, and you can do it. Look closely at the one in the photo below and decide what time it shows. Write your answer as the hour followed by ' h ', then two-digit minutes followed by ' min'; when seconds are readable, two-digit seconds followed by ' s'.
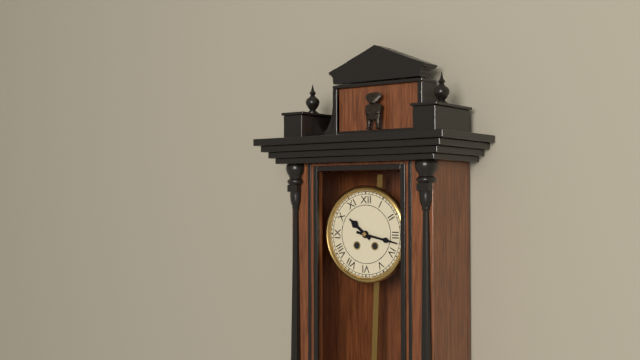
10 h 17 min
